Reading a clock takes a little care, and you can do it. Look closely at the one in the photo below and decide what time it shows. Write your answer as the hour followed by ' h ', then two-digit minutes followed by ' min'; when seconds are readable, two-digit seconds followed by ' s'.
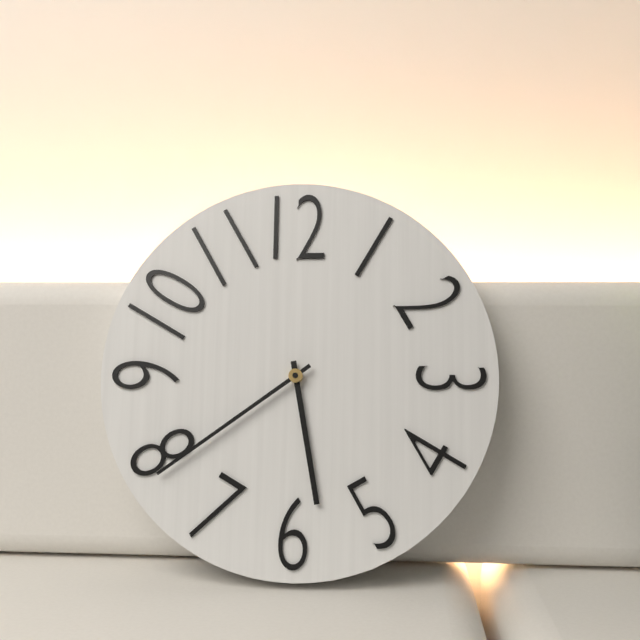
5 h 39 min
